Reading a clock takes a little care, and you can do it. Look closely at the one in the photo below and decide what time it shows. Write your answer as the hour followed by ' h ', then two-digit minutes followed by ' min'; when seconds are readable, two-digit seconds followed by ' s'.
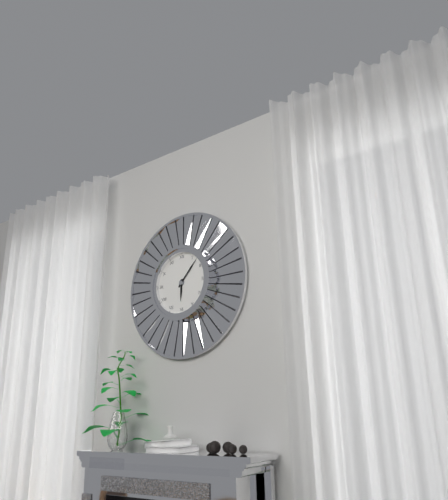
6 h 07 min
